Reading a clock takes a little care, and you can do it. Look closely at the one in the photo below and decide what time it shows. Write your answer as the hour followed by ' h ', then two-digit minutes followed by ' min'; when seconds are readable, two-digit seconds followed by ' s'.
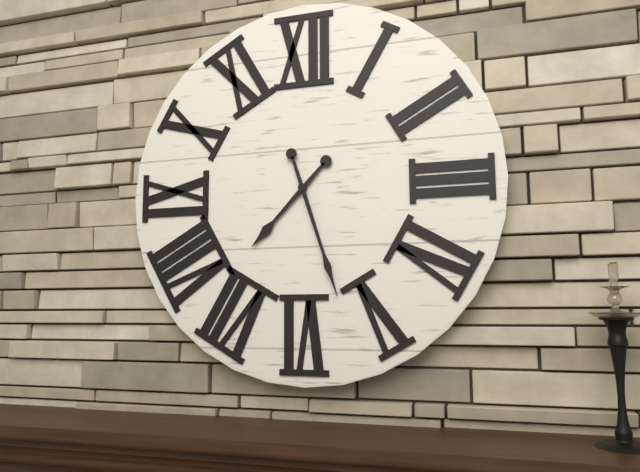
7 h 27 min
